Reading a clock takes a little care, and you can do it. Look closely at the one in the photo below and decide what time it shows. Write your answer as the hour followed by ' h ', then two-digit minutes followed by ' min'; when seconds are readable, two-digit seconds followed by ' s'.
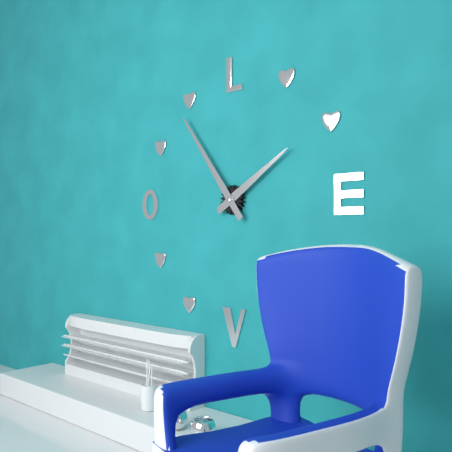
1 h 54 min
